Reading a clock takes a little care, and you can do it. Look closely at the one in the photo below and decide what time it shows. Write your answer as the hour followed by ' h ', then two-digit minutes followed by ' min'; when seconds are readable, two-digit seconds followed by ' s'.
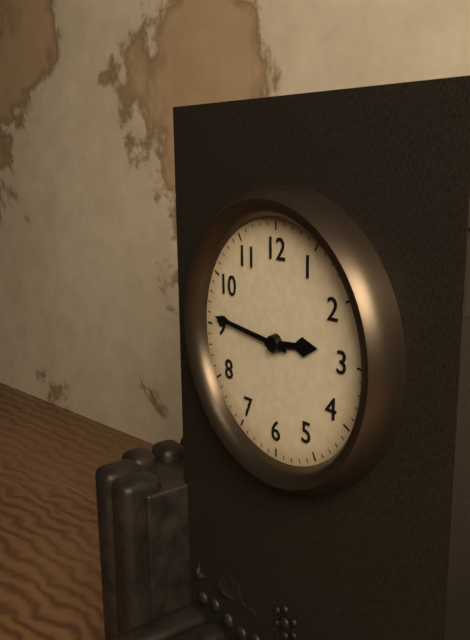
2 h 46 min
